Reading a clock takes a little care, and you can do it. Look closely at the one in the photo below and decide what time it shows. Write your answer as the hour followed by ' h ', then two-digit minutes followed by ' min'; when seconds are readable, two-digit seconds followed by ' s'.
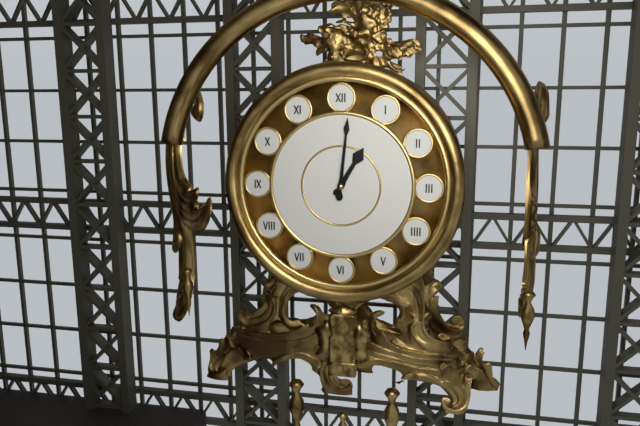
1 h 01 min
